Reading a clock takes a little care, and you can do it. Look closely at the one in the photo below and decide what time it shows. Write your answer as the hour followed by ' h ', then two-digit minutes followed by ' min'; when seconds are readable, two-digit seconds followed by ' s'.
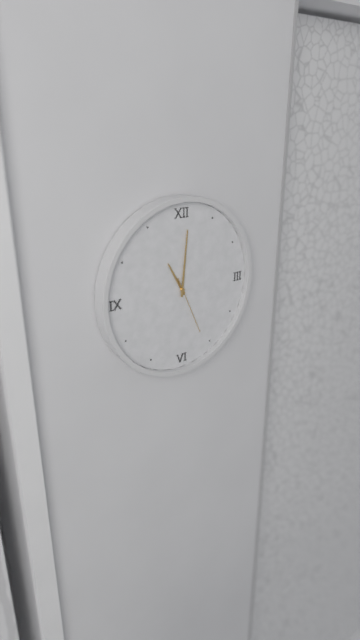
11 h 01 min 26 s
